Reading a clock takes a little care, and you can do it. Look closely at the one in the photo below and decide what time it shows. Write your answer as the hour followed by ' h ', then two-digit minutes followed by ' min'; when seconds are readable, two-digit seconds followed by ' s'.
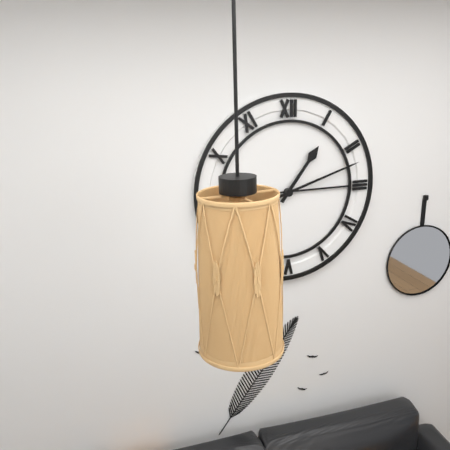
1 h 12 min
